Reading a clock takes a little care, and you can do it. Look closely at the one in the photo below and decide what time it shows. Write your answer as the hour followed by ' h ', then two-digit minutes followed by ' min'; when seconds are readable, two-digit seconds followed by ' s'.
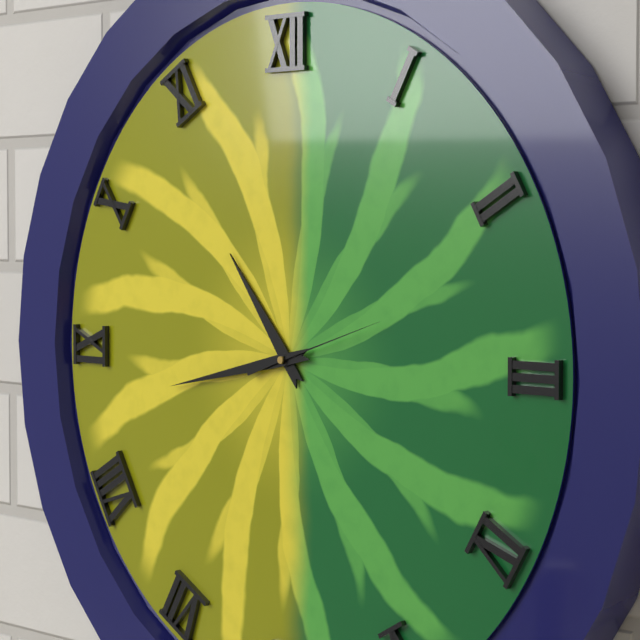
10 h 43 min 12 s
